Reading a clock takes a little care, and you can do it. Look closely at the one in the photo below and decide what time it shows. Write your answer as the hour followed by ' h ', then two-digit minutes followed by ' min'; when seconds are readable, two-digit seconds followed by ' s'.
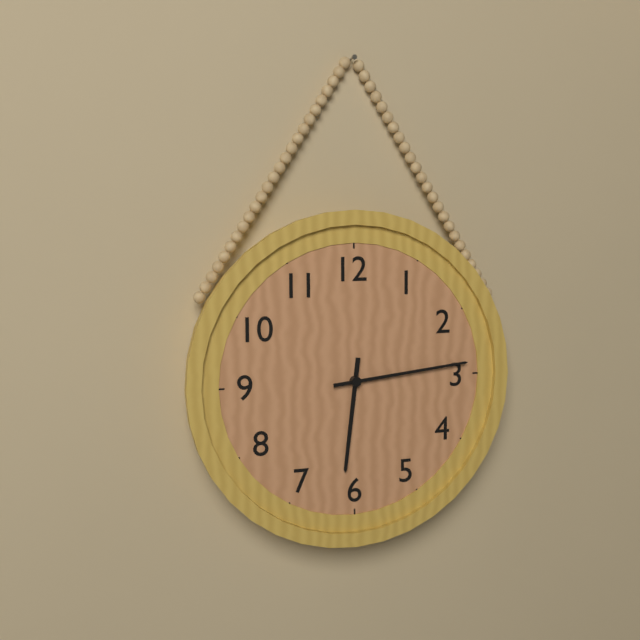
6 h 14 min
